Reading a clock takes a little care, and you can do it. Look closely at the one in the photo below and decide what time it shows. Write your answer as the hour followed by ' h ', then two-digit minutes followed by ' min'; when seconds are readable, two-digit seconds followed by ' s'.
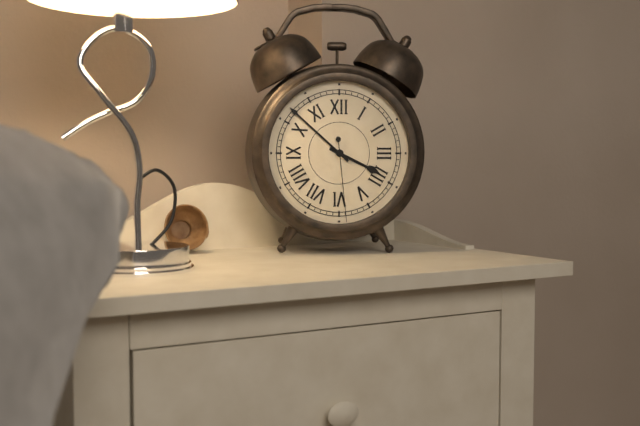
3 h 52 min 29 s
